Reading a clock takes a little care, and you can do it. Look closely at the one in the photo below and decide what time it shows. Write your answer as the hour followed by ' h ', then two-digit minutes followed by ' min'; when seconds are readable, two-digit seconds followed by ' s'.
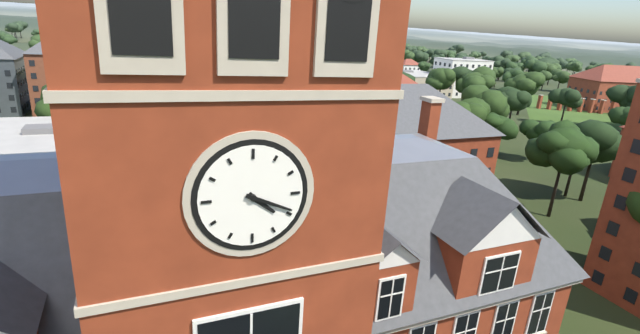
4 h 19 min
